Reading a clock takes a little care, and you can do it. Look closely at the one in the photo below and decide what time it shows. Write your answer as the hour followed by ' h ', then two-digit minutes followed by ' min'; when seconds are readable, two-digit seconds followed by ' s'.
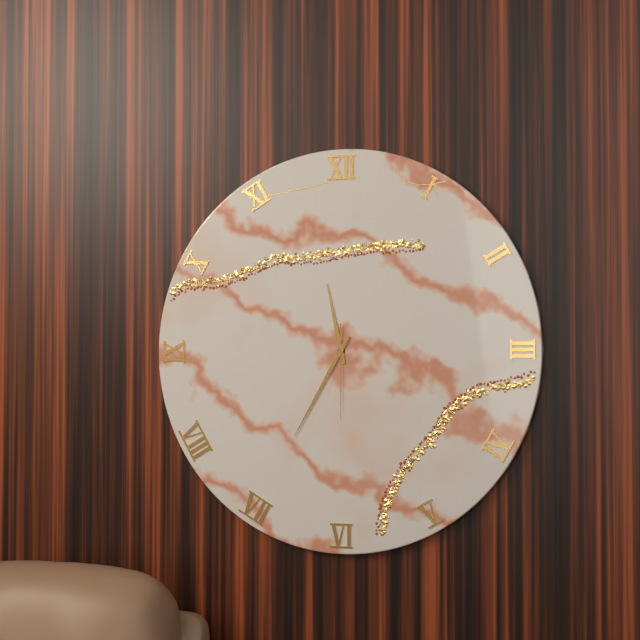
11 h 35 min 30 s
